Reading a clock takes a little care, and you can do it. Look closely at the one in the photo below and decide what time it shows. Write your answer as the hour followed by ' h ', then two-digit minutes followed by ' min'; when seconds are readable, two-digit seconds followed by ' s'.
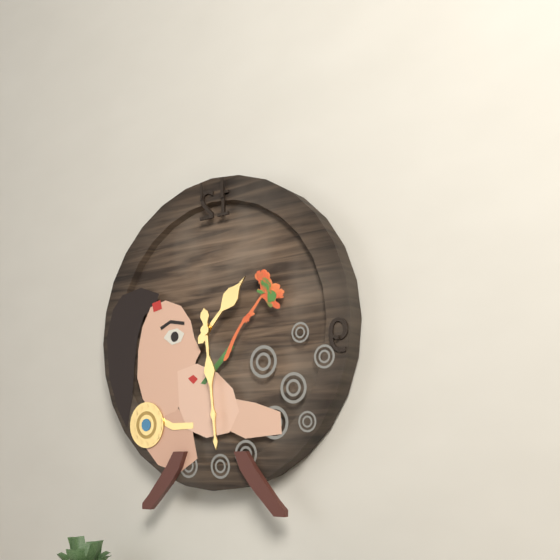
1 h 29 min
